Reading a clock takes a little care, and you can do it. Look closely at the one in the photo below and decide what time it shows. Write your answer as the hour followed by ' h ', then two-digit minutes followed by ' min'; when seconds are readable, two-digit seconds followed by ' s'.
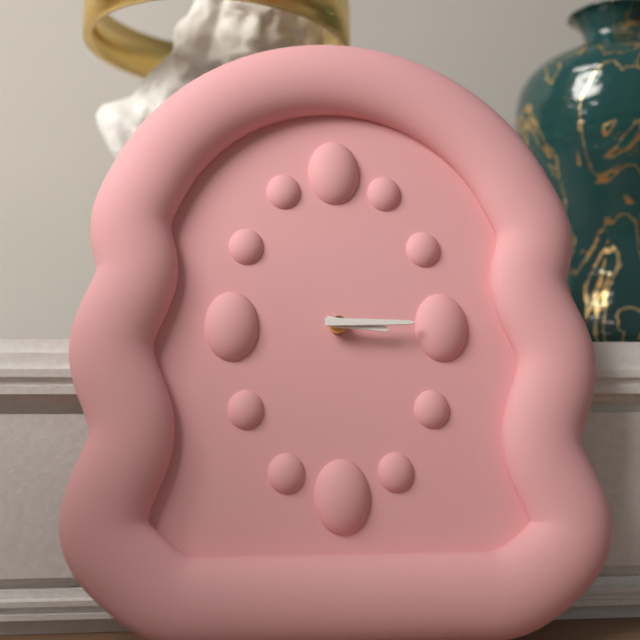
3 h 15 min
